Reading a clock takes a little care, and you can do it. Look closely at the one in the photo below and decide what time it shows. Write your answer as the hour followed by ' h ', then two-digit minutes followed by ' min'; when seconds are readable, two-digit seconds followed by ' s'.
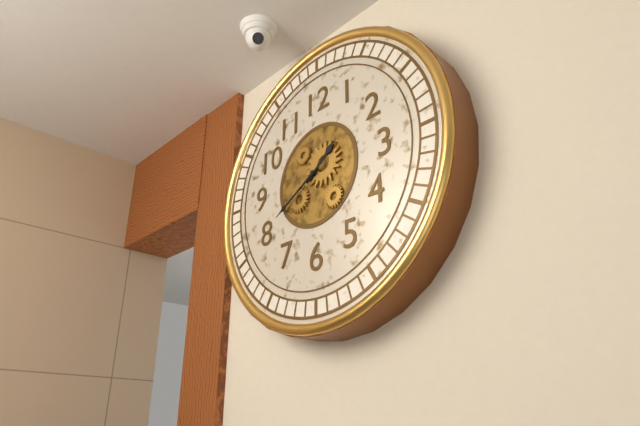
1 h 40 min
